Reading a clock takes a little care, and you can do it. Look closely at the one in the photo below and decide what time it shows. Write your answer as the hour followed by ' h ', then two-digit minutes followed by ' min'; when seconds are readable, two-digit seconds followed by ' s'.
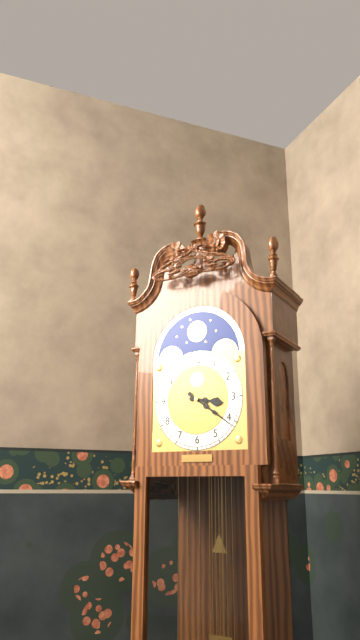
3 h 21 min
